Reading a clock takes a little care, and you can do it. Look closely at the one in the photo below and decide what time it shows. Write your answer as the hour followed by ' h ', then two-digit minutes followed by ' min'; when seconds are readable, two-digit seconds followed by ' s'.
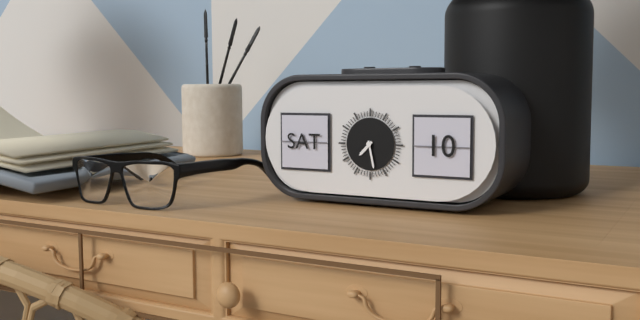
7 h 28 min
